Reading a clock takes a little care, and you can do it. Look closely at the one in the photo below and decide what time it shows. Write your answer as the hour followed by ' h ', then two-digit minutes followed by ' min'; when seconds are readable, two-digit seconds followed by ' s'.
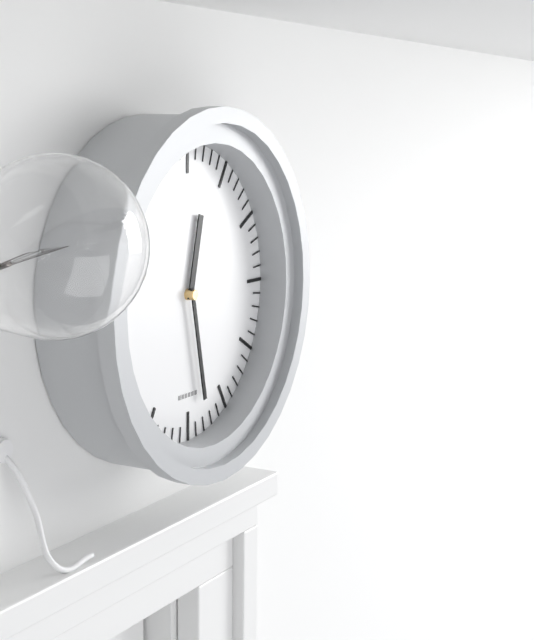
12 h 28 min
